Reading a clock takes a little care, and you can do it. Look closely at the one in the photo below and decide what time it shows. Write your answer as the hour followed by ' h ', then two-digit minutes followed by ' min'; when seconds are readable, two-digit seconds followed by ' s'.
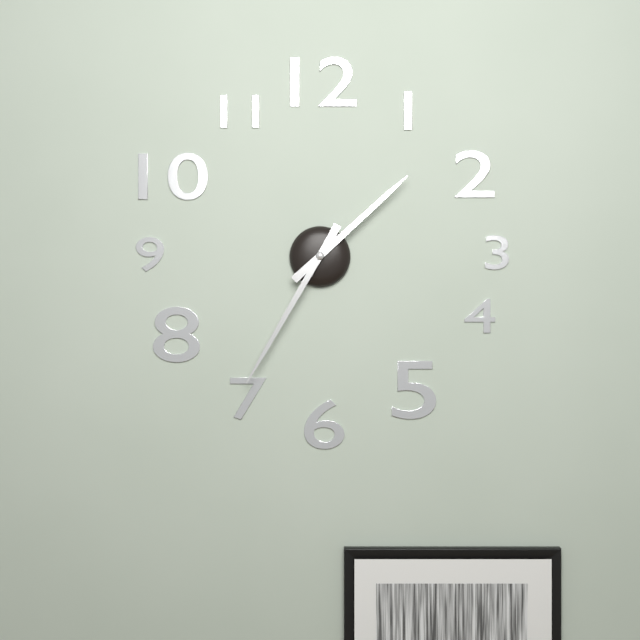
1 h 35 min
